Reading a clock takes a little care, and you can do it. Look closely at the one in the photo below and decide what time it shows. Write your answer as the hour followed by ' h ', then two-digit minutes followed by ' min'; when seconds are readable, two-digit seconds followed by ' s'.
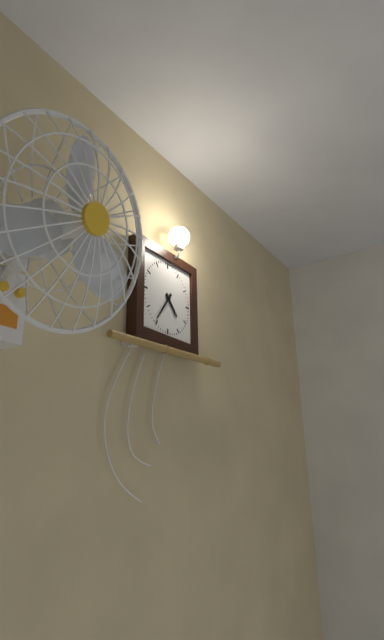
4 h 36 min
